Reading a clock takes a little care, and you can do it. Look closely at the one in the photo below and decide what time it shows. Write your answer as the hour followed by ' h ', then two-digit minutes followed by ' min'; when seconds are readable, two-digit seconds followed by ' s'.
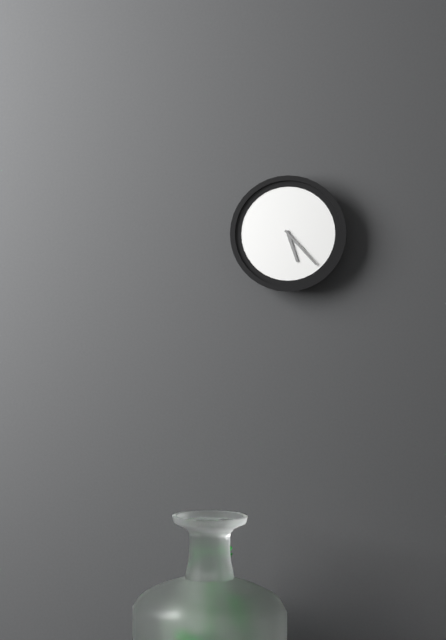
5 h 23 min
